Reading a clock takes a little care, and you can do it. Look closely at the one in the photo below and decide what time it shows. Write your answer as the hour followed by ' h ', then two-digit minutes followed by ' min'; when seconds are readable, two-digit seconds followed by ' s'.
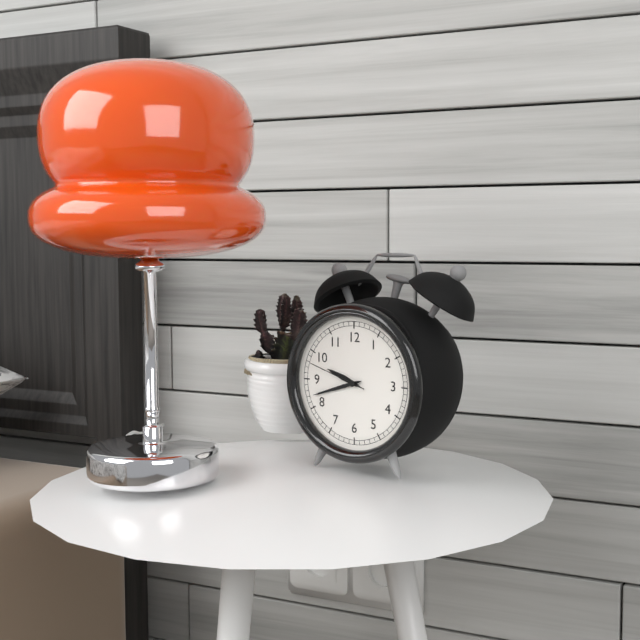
9 h 42 min 48 s
